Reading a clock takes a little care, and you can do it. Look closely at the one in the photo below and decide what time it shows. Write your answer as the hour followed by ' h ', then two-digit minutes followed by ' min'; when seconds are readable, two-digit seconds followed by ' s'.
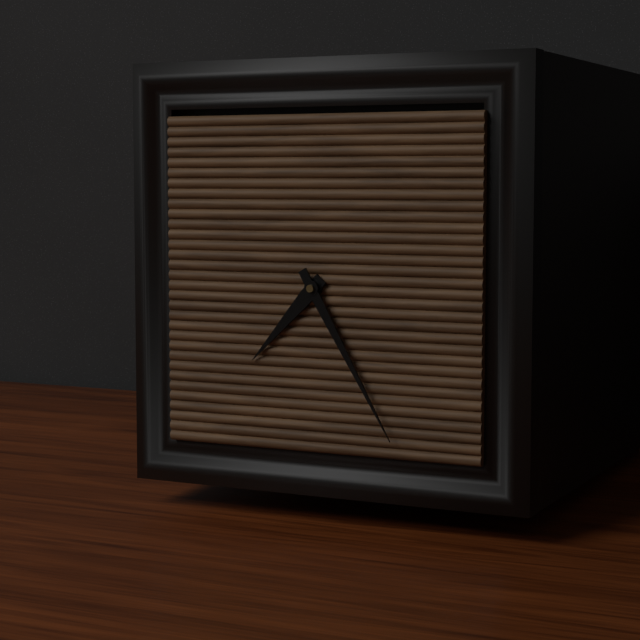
7 h 25 min
